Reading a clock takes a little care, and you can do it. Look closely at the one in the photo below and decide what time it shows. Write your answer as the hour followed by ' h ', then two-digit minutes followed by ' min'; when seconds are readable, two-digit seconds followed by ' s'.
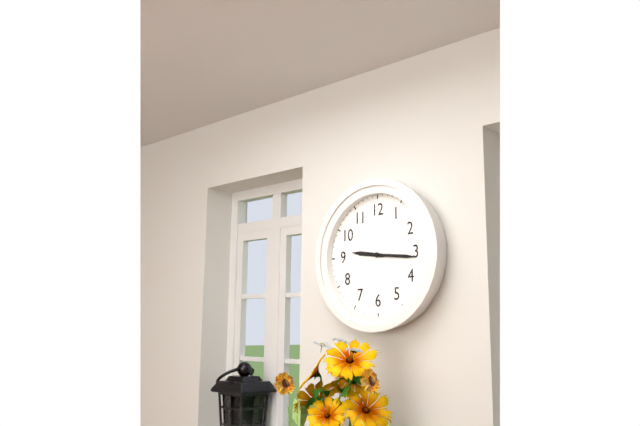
9 h 16 min
